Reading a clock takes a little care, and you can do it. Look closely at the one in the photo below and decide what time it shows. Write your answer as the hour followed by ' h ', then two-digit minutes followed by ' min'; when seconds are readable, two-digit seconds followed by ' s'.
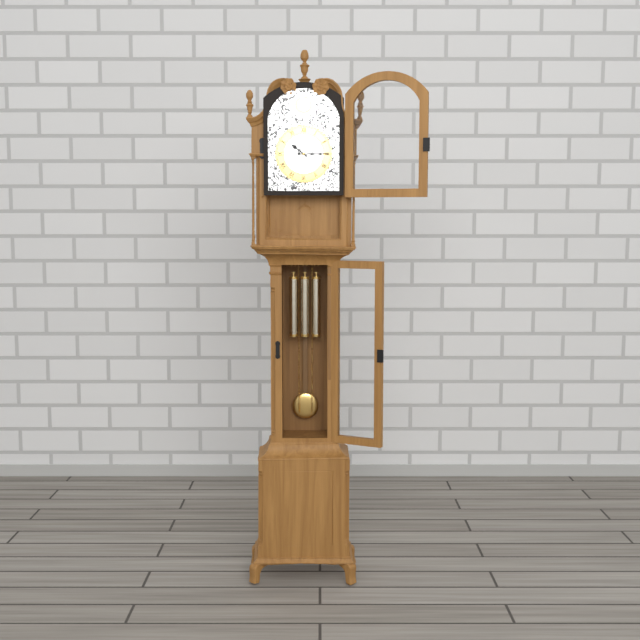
10 h 15 min
